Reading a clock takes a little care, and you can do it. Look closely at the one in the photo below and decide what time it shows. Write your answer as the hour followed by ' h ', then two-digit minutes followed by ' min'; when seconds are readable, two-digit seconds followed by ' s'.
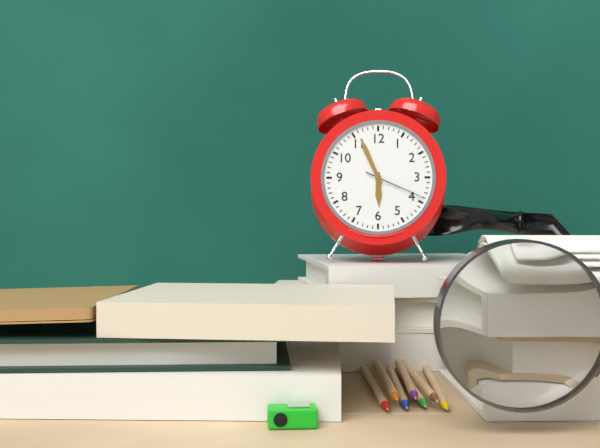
5 h 56 min 19 s
